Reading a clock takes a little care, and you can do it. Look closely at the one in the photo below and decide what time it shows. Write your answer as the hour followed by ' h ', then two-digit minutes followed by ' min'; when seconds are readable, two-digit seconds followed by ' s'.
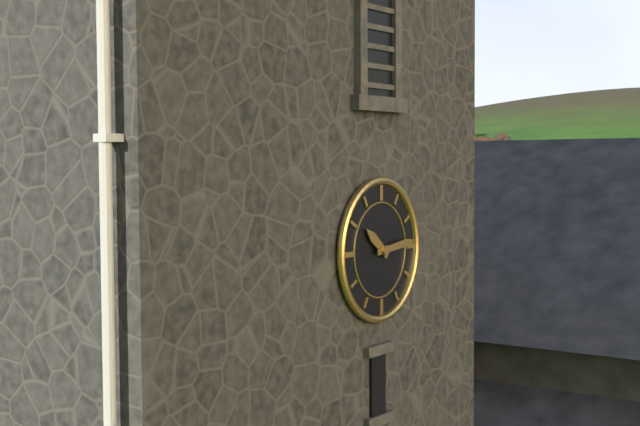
10 h 14 min
